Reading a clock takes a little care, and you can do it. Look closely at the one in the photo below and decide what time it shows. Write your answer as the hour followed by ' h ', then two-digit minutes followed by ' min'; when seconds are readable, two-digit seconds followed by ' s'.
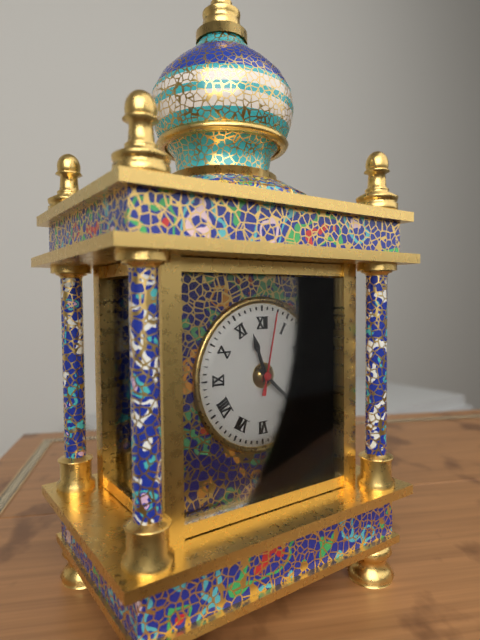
11 h 22 min 02 s
